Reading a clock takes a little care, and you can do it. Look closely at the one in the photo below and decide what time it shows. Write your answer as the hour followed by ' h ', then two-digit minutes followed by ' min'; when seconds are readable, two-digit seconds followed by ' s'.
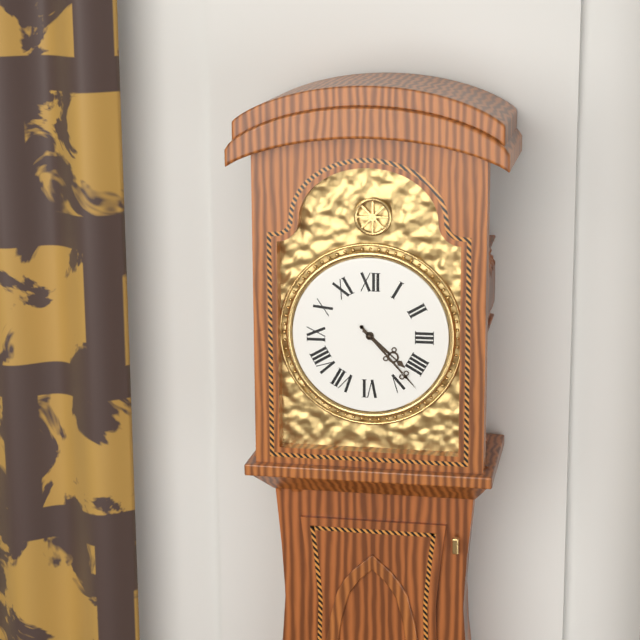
4 h 23 min
